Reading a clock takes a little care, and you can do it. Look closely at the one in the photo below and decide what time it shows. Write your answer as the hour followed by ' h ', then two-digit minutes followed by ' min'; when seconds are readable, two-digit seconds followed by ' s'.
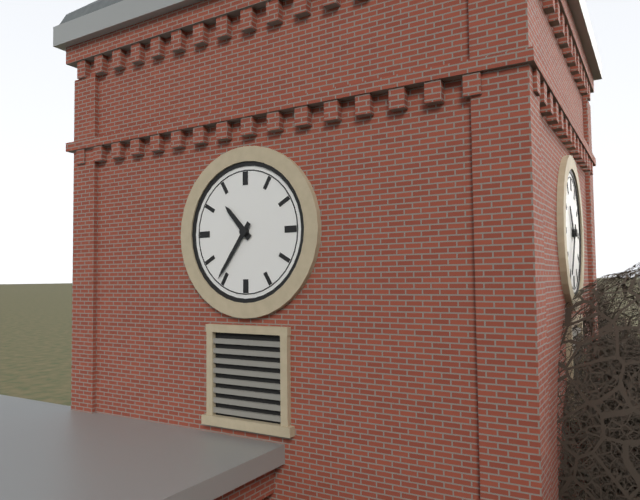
10 h 36 min
